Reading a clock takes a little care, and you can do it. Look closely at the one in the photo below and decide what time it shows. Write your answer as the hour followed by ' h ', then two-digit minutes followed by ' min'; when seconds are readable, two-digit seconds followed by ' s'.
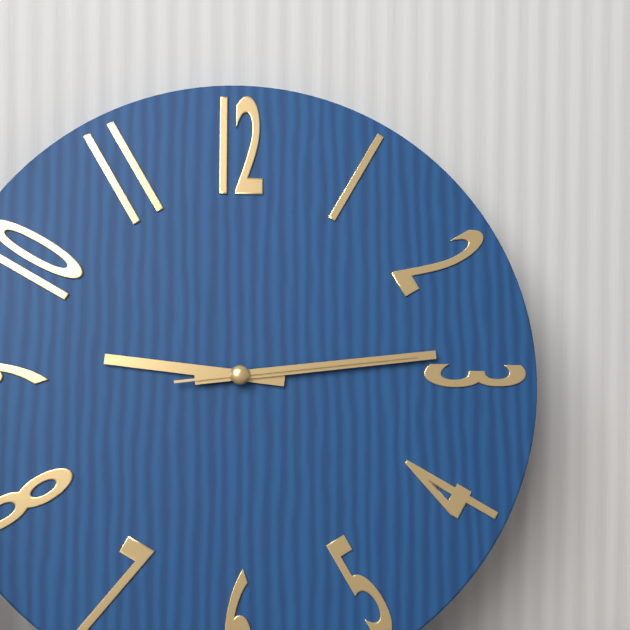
9 h 14 min 14 s
